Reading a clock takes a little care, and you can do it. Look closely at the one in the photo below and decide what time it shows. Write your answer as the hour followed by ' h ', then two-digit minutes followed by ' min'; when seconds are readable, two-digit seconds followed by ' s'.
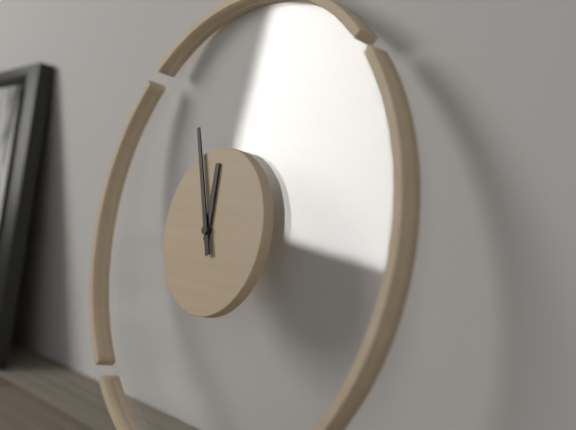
11 h 56 min
